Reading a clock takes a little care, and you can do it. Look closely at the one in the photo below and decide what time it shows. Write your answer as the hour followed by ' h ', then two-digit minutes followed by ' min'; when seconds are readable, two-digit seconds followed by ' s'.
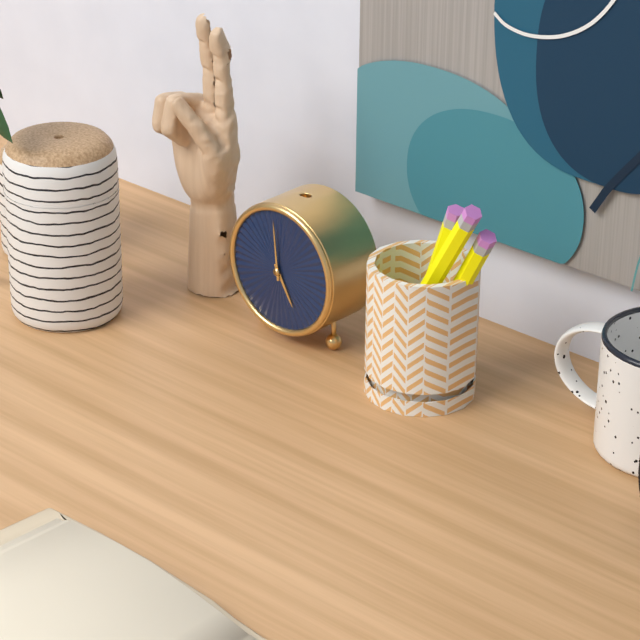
4 h 59 min
